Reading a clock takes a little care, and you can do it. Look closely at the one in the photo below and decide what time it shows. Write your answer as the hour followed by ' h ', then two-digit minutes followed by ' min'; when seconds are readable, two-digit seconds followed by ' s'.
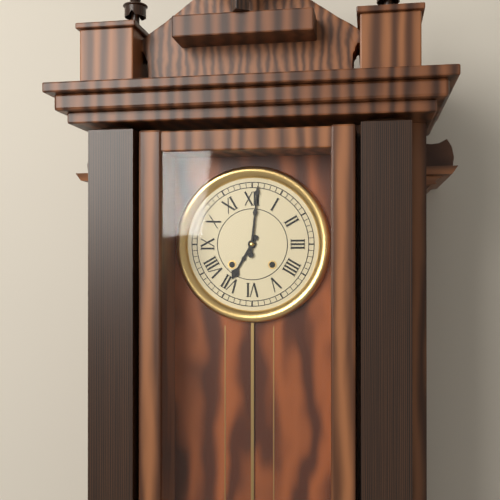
7 h 01 min
